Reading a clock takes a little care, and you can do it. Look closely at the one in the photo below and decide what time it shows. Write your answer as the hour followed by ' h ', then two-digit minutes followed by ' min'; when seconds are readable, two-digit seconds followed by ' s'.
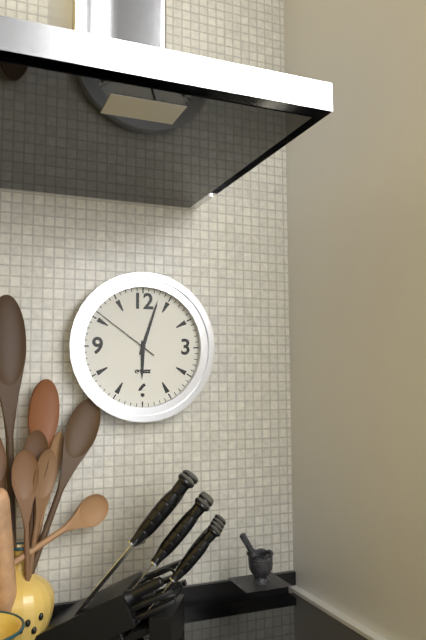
6 h 03 min 51 s
